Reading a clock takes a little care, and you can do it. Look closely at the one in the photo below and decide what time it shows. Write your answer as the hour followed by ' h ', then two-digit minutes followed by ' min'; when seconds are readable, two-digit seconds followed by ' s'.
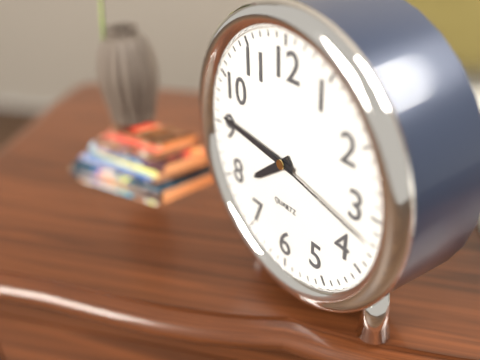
7 h 46 min 17 s
